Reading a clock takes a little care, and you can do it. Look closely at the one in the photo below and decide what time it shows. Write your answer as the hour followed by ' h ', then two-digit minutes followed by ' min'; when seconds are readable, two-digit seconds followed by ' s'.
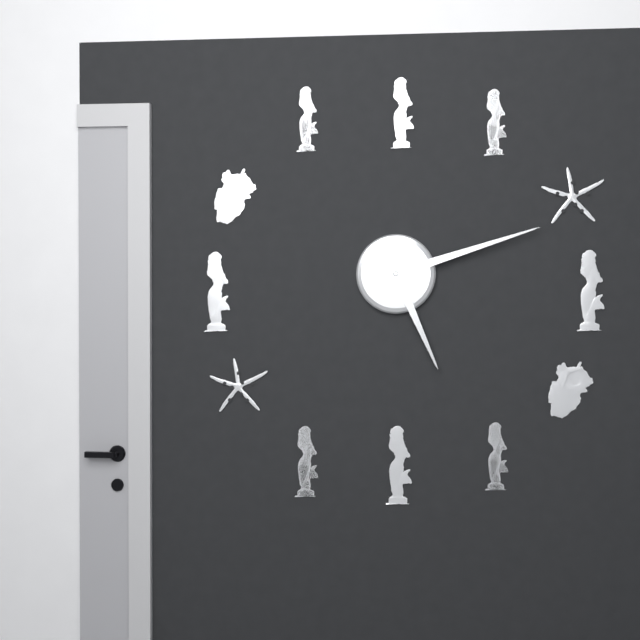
5 h 12 min
